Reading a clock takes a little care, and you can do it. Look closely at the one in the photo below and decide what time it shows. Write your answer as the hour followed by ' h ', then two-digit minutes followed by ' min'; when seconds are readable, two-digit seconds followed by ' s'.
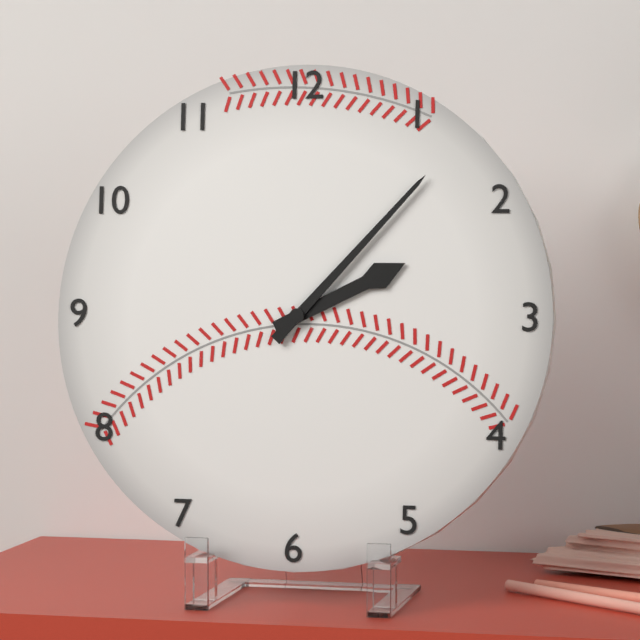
2 h 07 min
